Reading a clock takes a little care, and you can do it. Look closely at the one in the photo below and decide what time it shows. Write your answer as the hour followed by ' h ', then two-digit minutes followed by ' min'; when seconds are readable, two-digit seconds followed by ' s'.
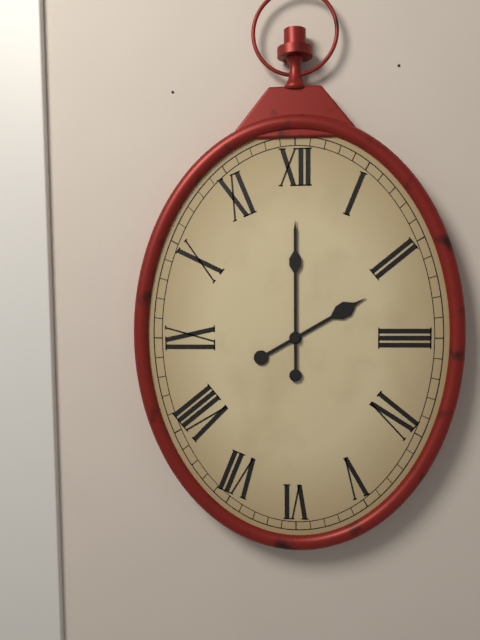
2 h 00 min
